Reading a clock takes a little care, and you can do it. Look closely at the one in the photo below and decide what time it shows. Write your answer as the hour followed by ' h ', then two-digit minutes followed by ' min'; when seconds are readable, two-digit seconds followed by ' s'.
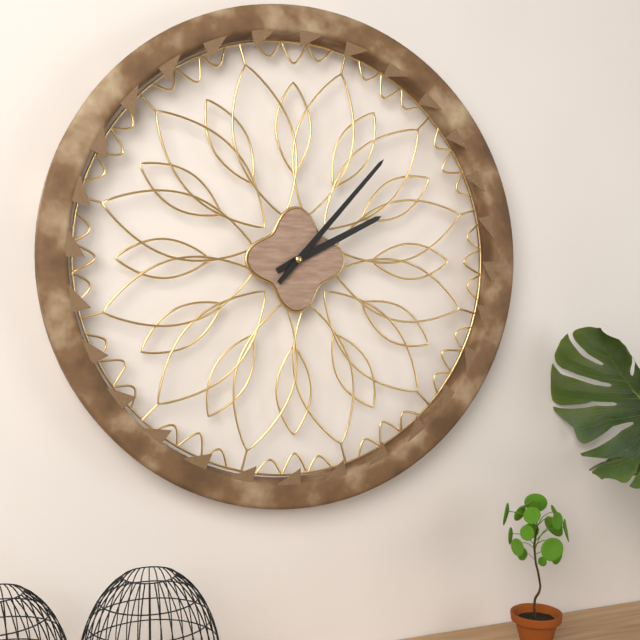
2 h 07 min
